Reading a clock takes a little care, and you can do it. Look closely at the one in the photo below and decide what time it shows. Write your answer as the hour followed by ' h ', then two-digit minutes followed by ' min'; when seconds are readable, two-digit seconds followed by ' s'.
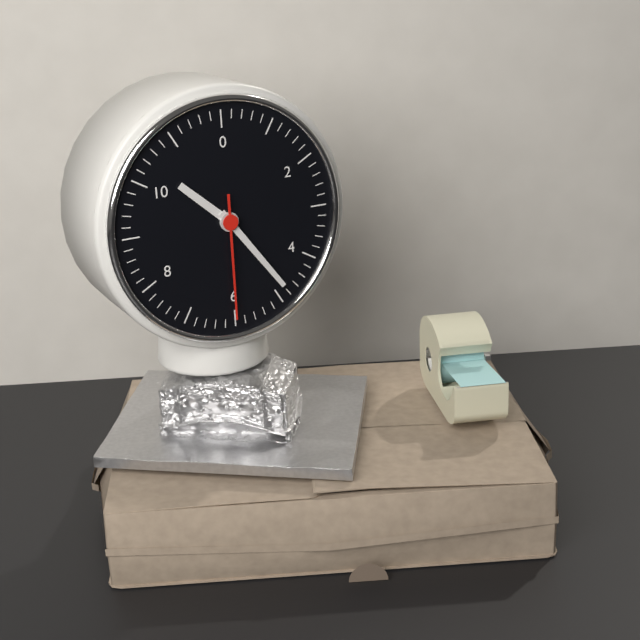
10 h 24 min 30 s
